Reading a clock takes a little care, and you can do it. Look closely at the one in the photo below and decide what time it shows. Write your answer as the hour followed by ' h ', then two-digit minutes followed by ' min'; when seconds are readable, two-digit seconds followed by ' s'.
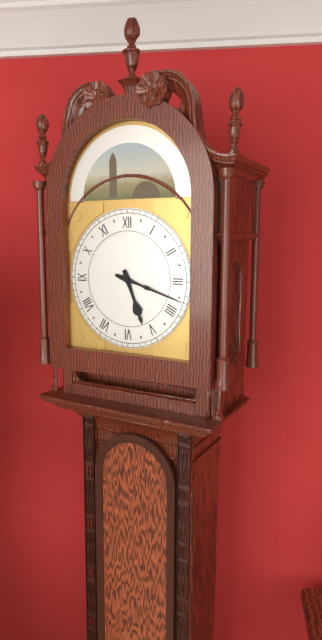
5 h 18 min
